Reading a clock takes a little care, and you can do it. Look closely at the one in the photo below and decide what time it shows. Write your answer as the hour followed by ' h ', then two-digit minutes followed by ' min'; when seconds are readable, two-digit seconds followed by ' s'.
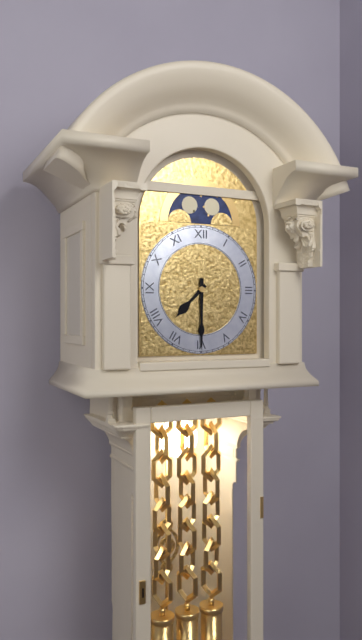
7 h 30 min
